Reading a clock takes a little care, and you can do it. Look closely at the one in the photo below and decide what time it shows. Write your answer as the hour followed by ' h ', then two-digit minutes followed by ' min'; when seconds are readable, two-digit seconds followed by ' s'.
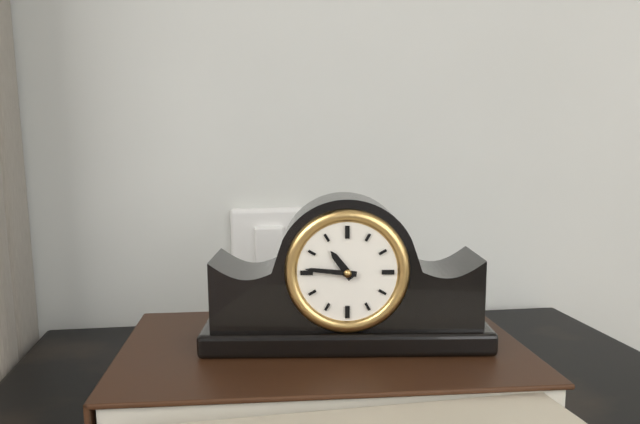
10 h 46 min
